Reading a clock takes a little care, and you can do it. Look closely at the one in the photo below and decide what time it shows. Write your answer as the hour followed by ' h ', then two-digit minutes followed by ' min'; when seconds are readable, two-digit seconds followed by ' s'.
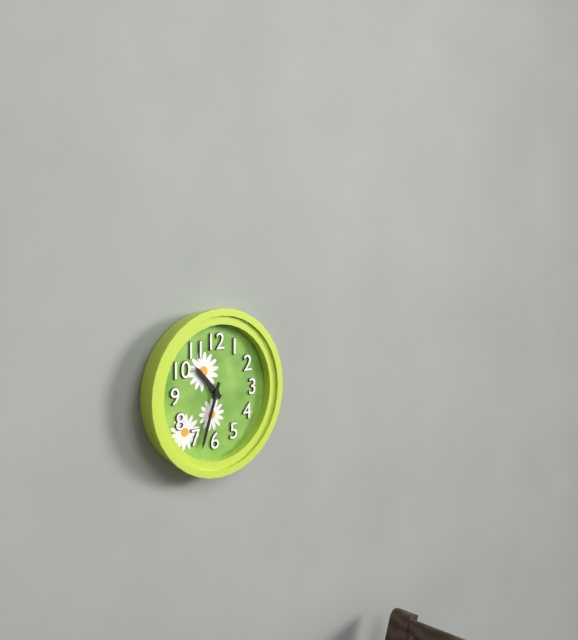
10 h 33 min
